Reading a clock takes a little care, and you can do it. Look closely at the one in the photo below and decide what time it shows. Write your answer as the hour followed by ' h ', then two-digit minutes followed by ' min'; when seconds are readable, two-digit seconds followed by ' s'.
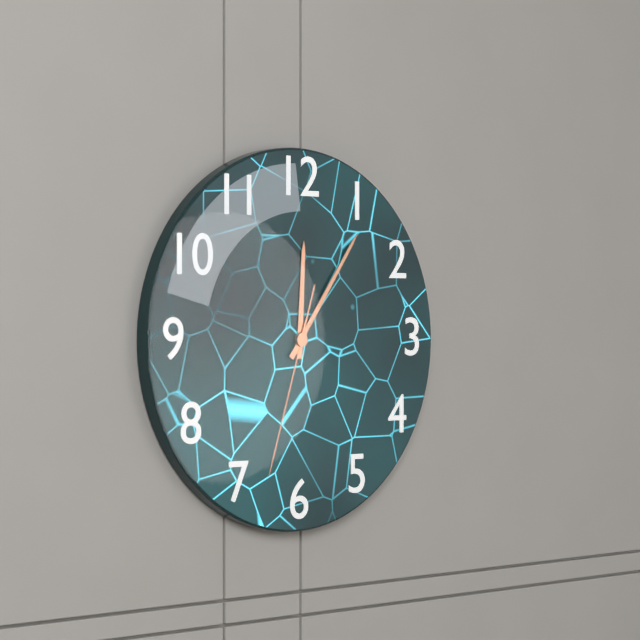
12 h 06 min 33 s
